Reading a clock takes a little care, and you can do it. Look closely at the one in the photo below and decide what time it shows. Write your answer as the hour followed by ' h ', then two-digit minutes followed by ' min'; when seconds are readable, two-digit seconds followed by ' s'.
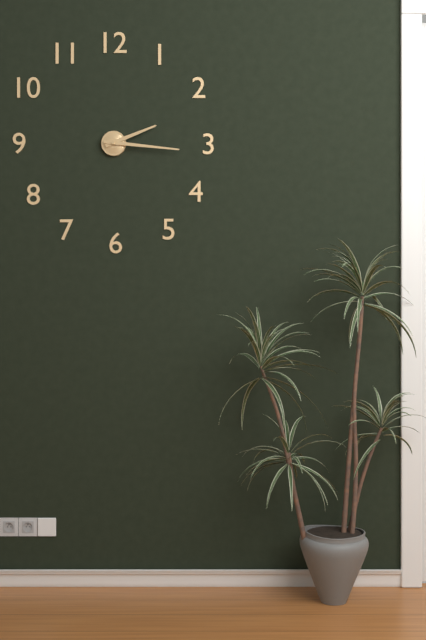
2 h 16 min
